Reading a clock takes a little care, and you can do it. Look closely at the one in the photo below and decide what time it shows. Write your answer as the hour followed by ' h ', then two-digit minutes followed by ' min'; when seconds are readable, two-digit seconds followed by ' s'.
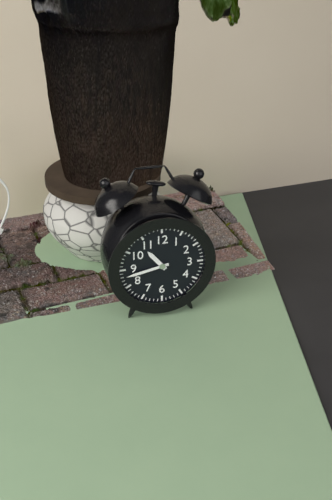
10 h 43 min
